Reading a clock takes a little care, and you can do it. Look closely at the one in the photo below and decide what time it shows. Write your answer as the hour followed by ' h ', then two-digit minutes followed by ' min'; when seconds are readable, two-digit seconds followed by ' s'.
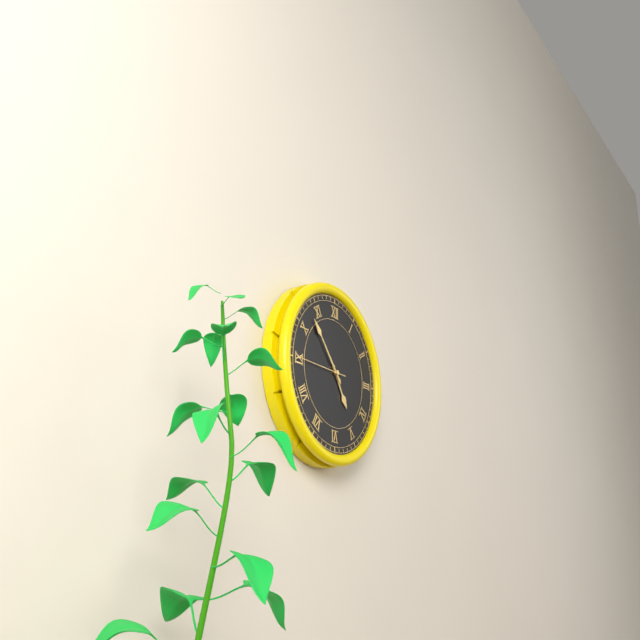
4 h 53 min 45 s
